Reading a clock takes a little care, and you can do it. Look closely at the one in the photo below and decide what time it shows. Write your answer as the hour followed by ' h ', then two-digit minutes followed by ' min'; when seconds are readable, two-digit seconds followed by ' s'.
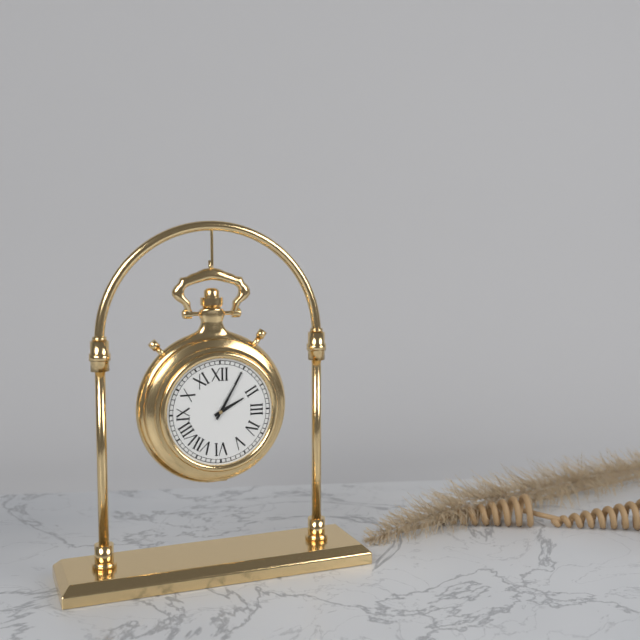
2 h 05 min
